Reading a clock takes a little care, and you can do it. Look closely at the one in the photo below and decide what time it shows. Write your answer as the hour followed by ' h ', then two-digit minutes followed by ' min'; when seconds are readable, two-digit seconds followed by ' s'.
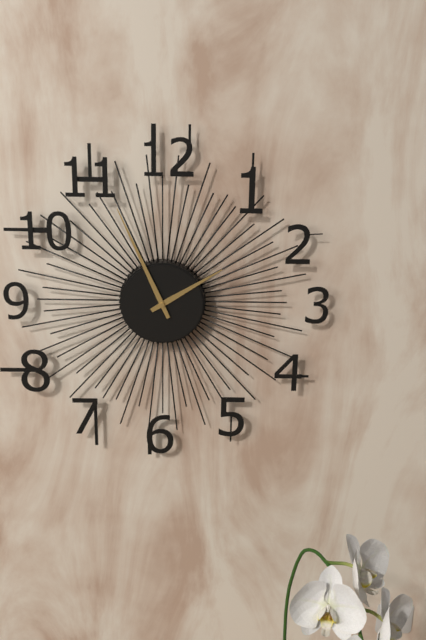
1 h 56 min
